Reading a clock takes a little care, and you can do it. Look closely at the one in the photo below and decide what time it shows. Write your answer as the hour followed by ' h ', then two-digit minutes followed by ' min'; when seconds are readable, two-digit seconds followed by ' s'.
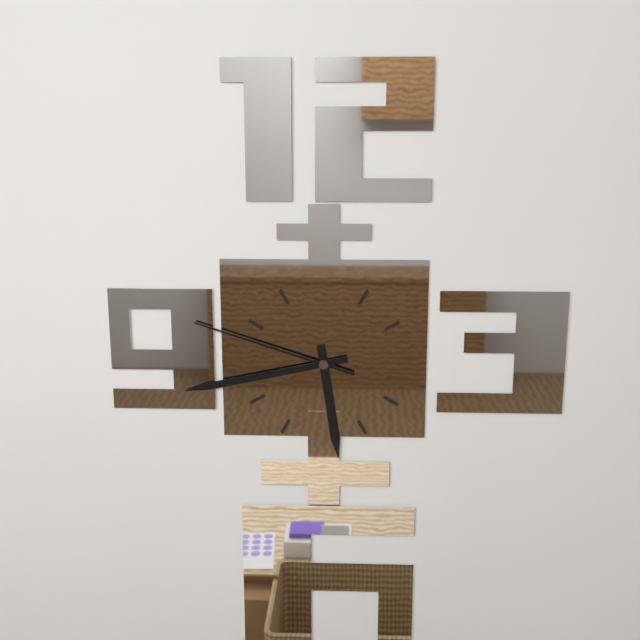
5 h 43 min 48 s
